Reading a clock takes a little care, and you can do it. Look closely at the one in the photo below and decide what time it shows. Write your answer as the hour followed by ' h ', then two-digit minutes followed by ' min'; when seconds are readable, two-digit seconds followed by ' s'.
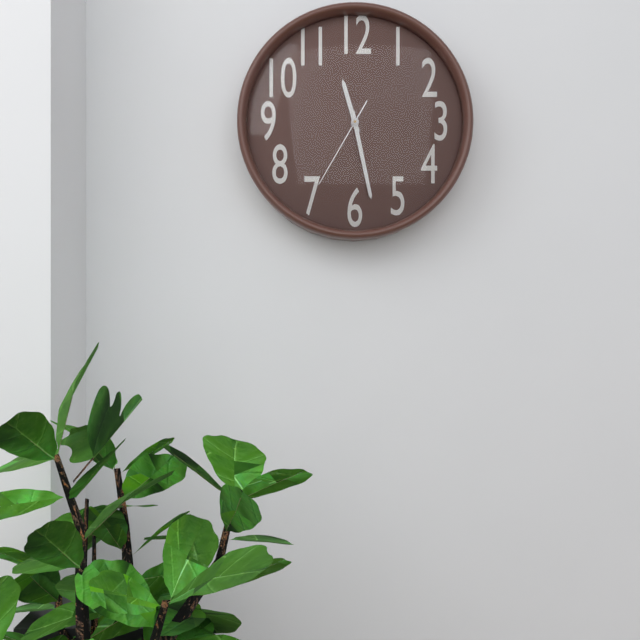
11 h 28 min 35 s
